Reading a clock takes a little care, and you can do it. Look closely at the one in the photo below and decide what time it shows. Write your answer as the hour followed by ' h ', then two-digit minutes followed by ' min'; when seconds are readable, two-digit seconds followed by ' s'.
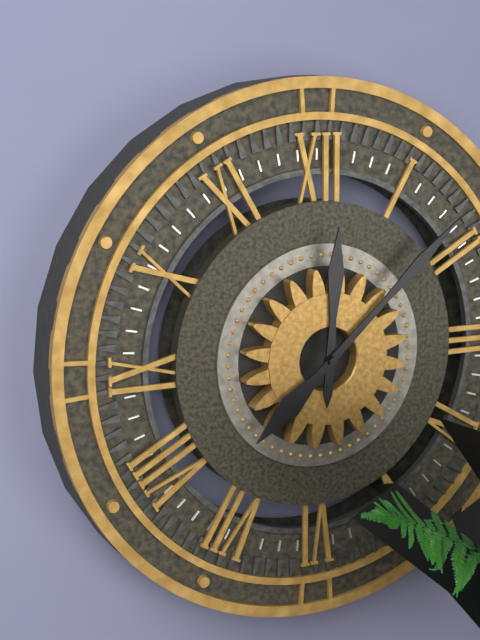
12 h 08 min
